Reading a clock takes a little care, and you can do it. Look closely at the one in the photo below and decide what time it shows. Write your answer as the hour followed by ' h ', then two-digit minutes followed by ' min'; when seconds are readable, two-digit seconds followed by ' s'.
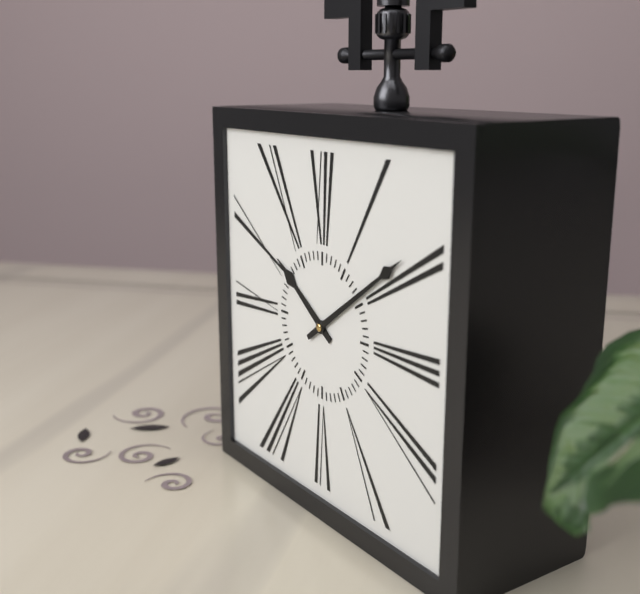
10 h 09 min
